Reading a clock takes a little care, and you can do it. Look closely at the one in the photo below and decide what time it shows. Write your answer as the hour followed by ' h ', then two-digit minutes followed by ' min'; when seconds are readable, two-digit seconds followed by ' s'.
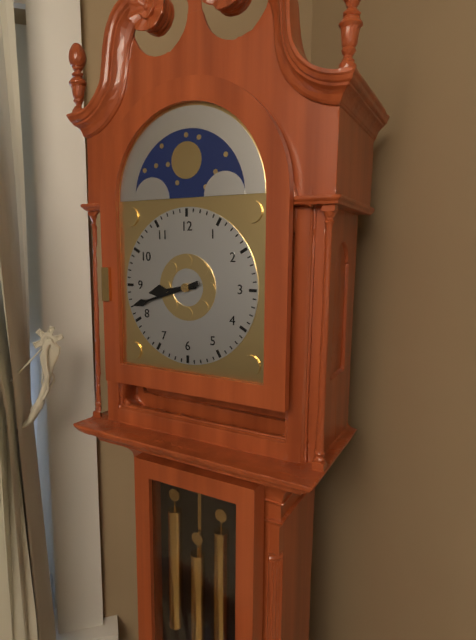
8 h 42 min
